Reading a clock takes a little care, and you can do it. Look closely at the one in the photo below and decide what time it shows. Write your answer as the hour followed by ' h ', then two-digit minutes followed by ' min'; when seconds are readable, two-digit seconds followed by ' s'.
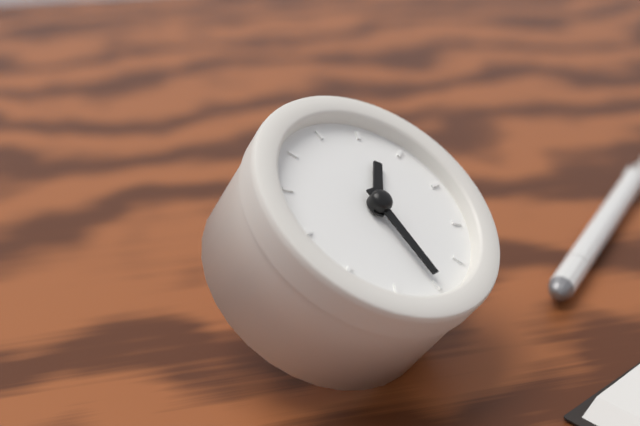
12 h 25 min
